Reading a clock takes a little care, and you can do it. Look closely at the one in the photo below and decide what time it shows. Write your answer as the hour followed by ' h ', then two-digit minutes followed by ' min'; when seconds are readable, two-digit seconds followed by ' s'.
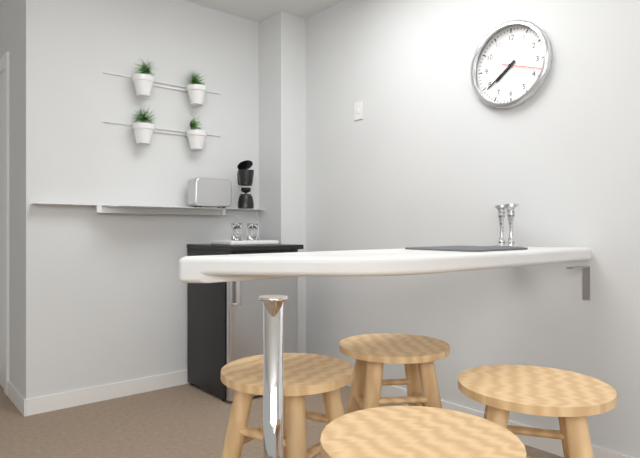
7 h 39 min
